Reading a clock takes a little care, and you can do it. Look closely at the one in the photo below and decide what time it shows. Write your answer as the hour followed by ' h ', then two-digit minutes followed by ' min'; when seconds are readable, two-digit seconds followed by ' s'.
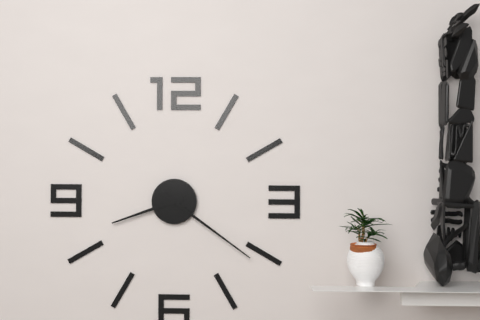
8 h 21 min
